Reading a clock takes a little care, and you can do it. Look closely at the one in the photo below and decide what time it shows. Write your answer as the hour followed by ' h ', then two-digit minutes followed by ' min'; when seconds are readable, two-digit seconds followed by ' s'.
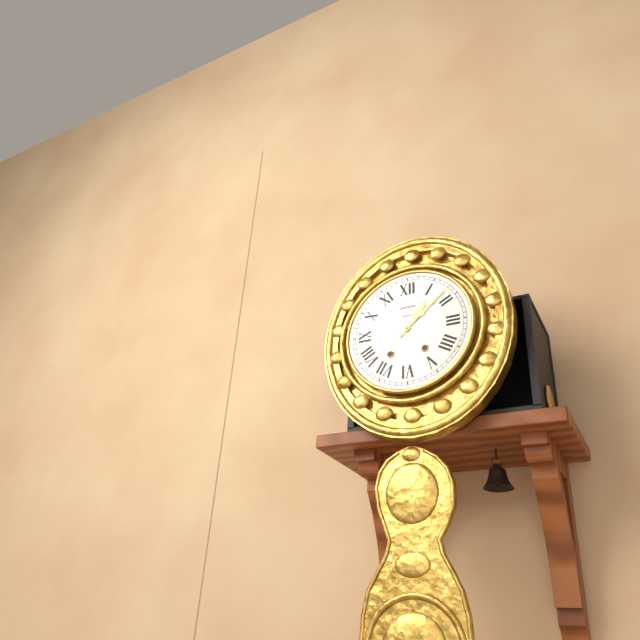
1 h 08 min
